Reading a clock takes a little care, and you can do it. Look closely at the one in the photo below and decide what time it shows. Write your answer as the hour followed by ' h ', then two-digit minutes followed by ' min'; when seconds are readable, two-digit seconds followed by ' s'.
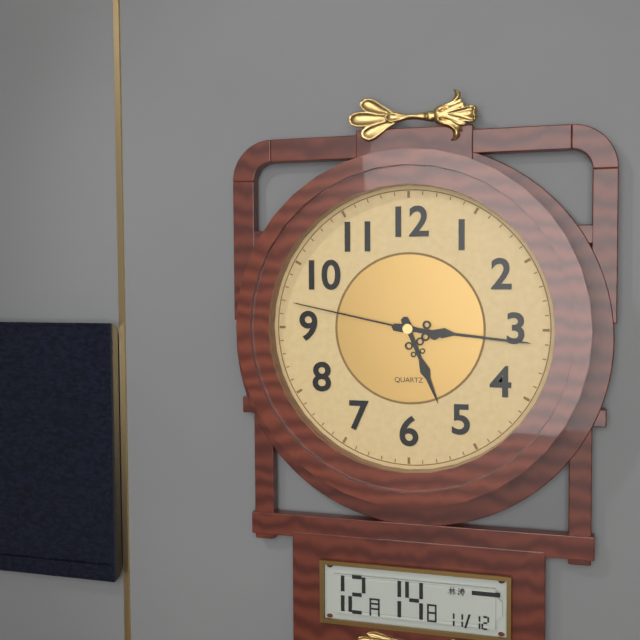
5 h 16 min 47 s
